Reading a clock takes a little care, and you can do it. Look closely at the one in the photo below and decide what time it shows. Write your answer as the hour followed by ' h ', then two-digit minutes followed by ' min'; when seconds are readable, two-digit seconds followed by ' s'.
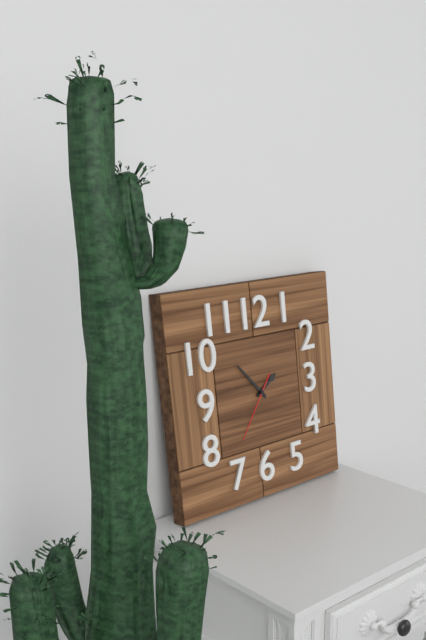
1 h 53 min 36 s
